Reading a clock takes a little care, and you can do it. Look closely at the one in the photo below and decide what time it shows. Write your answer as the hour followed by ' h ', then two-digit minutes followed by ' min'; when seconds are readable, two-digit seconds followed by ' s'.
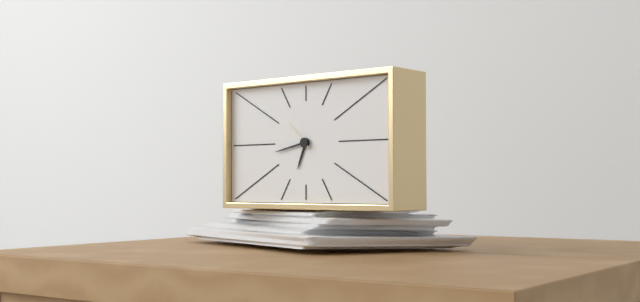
6 h 43 min
